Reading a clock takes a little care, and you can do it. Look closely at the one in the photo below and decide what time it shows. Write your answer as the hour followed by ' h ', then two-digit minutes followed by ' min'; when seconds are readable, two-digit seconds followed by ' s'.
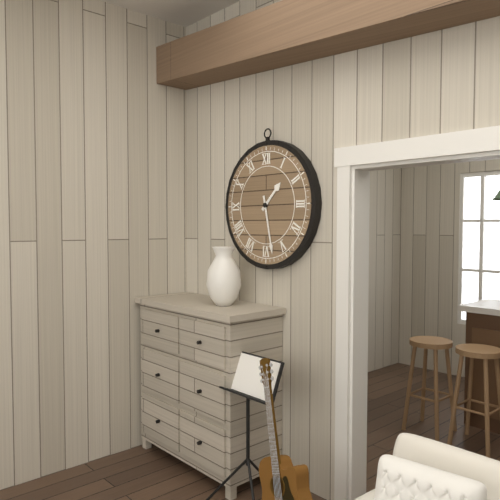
1 h 28 min
